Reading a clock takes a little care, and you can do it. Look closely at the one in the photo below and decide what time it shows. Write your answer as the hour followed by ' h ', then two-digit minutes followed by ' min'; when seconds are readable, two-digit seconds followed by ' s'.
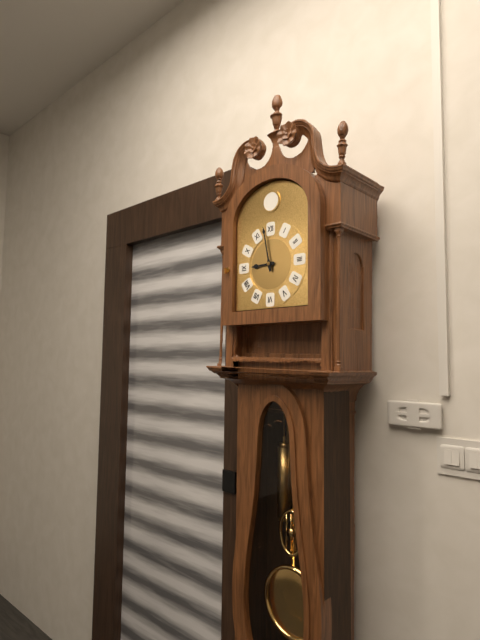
8 h 58 min
